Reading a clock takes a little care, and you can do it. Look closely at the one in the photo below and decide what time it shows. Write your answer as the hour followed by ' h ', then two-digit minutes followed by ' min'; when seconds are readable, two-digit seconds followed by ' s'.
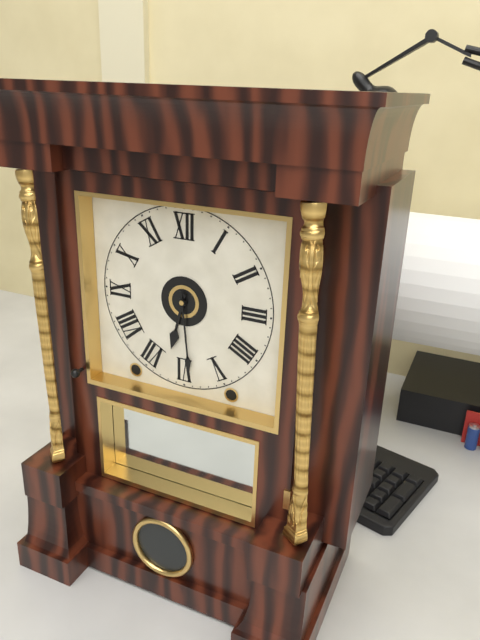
6 h 29 min
